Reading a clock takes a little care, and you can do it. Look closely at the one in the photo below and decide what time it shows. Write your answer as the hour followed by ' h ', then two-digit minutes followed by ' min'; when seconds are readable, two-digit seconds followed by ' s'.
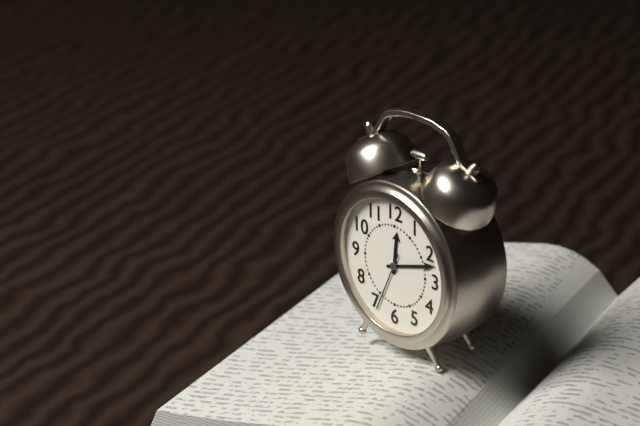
12 h 12 min 34 s
